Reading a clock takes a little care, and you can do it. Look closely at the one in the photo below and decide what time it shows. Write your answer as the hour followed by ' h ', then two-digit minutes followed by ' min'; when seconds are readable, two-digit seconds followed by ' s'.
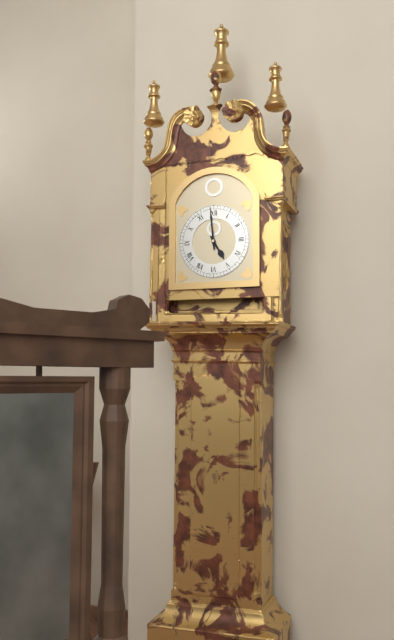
4 h 59 min
